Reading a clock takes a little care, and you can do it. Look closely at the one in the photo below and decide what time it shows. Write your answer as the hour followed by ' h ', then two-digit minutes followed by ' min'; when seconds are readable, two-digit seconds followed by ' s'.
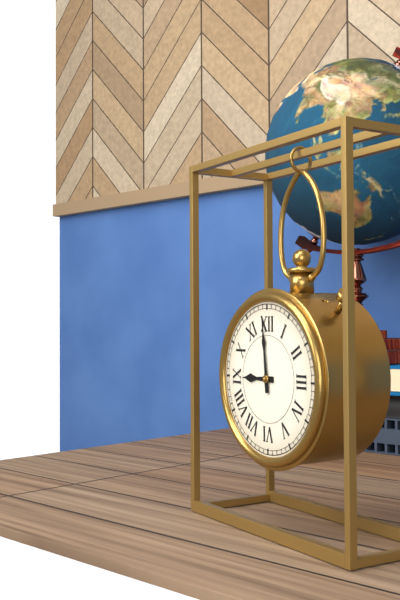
8 h 59 min
